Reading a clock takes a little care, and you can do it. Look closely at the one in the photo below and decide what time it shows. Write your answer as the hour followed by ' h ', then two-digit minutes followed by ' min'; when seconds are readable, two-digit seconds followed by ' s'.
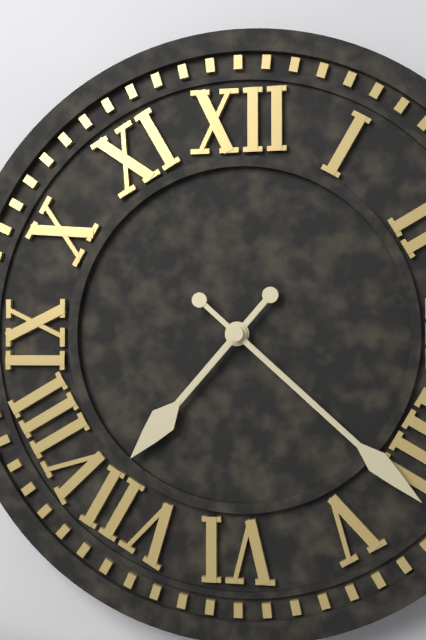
7 h 22 min
